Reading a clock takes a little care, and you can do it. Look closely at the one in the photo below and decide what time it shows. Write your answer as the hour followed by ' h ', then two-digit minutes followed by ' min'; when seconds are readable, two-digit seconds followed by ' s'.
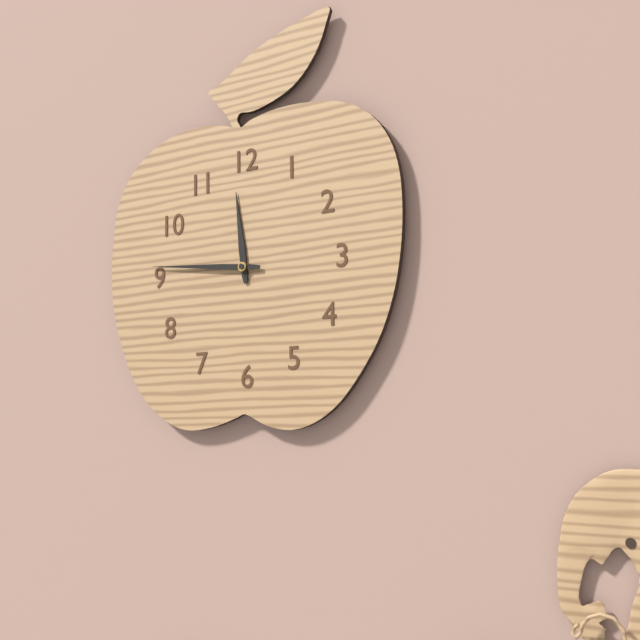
11 h 46 min
